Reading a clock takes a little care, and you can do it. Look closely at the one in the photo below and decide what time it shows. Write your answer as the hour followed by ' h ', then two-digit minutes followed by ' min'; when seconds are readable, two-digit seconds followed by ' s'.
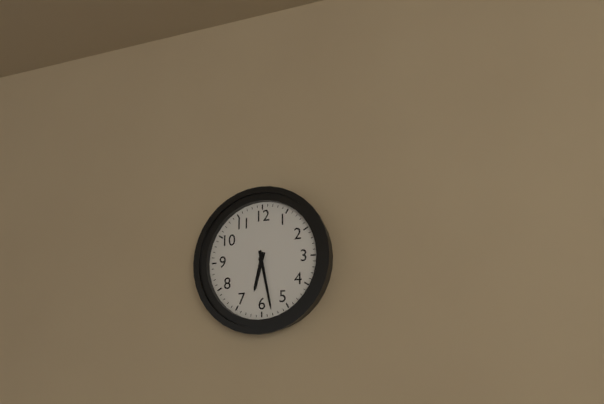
6 h 28 min
